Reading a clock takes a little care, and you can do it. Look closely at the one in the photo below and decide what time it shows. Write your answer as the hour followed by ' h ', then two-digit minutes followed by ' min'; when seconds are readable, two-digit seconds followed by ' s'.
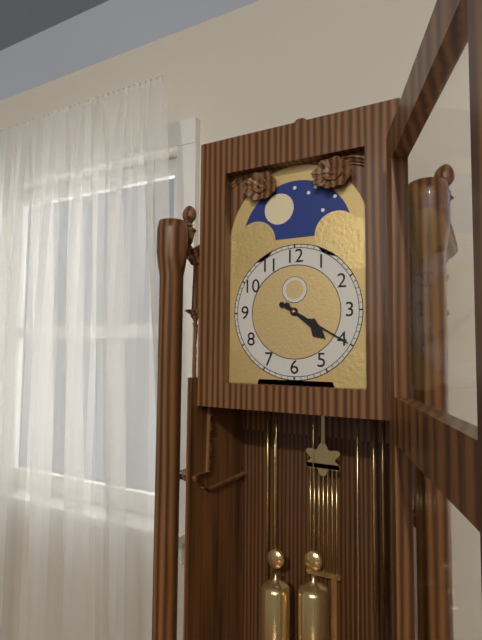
4 h 20 min
